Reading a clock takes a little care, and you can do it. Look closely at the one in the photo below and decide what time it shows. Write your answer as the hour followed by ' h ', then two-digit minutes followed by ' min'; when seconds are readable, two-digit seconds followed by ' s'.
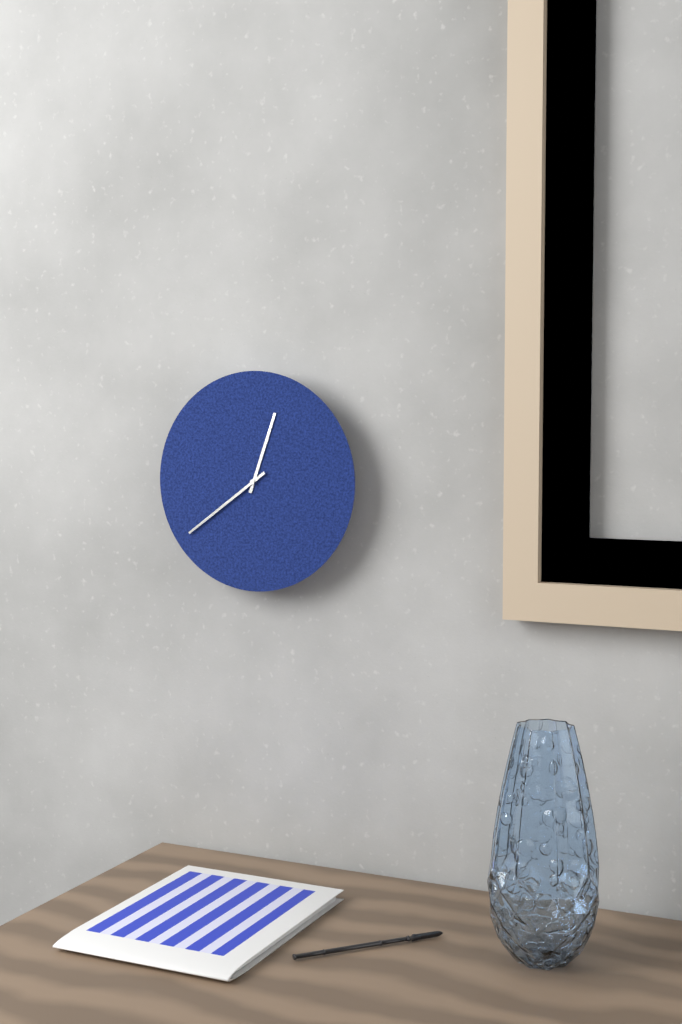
12 h 39 min
